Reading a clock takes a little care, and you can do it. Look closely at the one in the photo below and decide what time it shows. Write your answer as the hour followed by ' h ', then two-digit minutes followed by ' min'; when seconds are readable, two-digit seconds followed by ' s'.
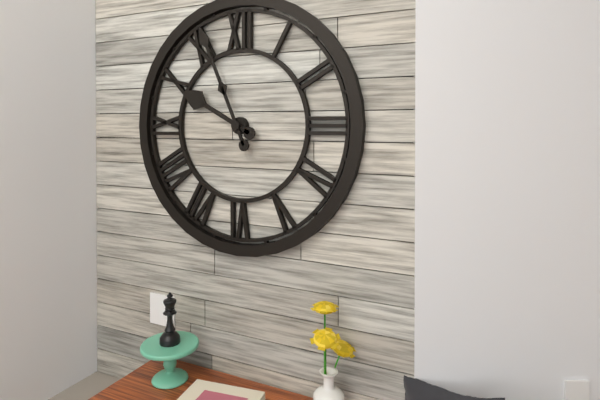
9 h 56 min
